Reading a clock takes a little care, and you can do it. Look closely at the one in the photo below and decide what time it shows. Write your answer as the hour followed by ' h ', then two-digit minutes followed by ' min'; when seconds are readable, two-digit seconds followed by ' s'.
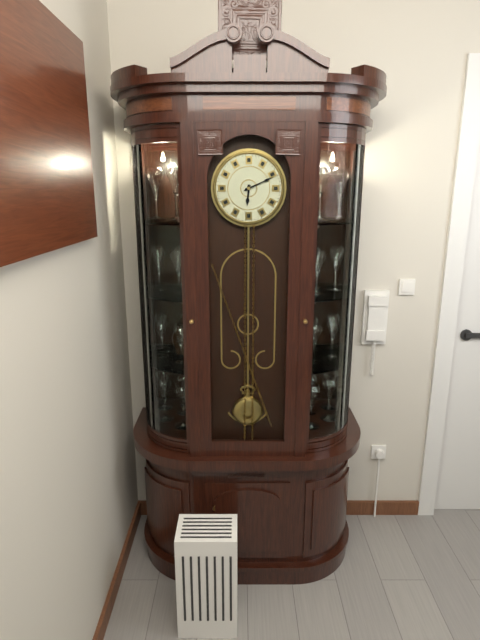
6 h 11 min
